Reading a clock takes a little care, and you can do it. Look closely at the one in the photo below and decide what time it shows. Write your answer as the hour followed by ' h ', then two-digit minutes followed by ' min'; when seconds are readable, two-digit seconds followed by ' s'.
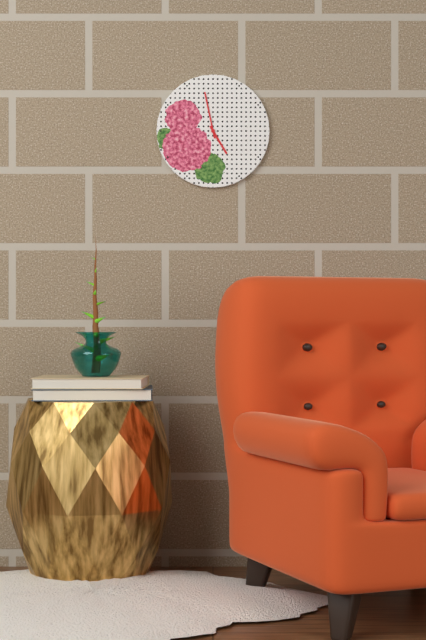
4 h 58 min
